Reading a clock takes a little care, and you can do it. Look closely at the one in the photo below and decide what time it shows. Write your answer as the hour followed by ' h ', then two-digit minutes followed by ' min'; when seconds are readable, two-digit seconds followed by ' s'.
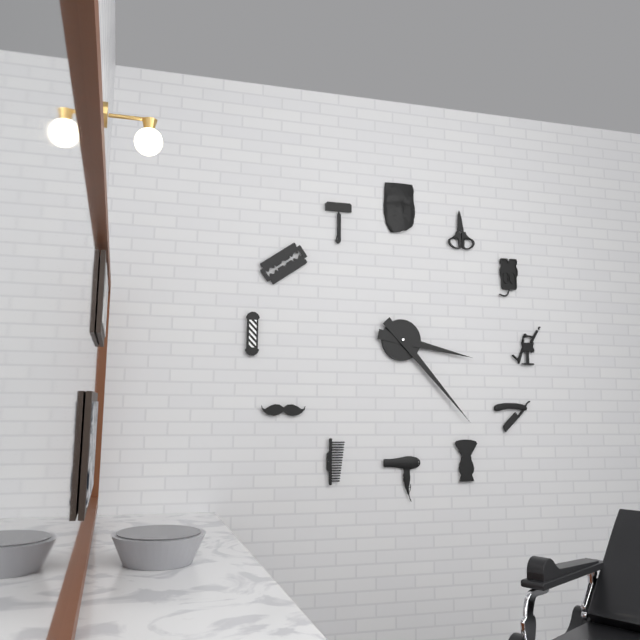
3 h 23 min
